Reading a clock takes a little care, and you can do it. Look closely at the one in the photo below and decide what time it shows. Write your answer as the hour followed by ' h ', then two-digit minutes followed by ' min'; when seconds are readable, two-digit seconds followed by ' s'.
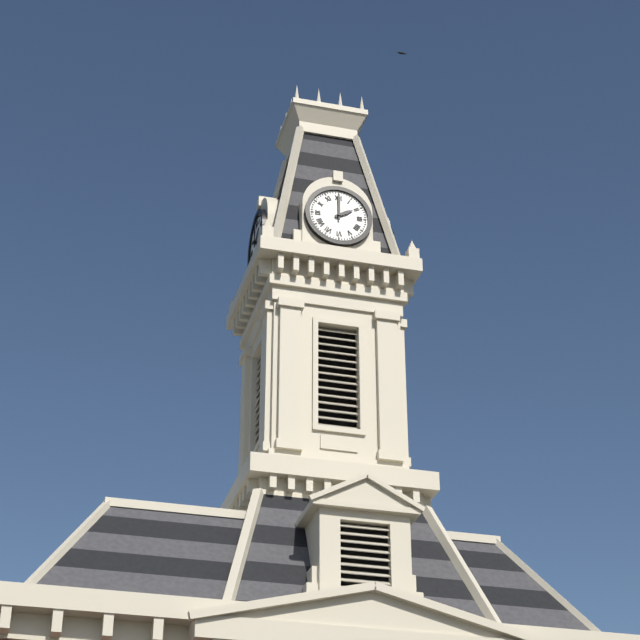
2 h 00 min
